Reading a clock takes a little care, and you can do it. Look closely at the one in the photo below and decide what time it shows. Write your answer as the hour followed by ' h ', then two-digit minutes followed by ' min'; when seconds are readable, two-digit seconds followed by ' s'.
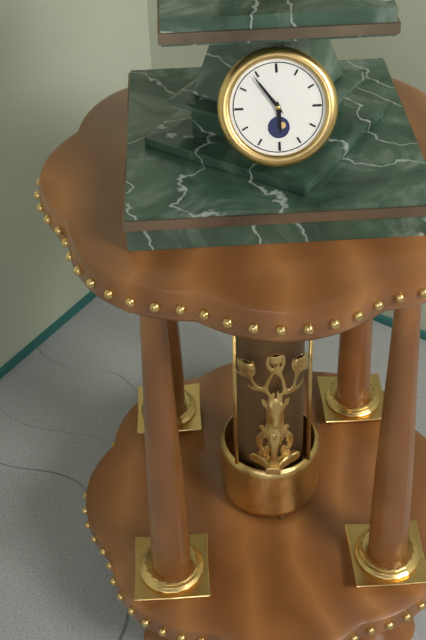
5 h 54 min
